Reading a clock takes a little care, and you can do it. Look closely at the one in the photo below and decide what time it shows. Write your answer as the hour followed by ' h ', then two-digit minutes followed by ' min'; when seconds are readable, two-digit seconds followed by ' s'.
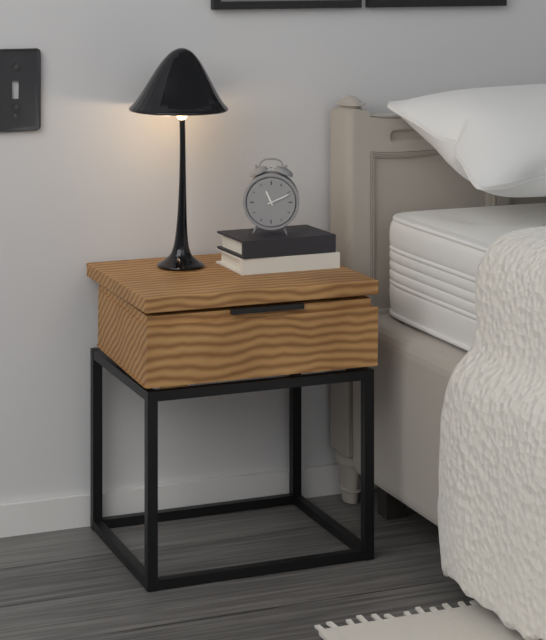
11 h 11 min
